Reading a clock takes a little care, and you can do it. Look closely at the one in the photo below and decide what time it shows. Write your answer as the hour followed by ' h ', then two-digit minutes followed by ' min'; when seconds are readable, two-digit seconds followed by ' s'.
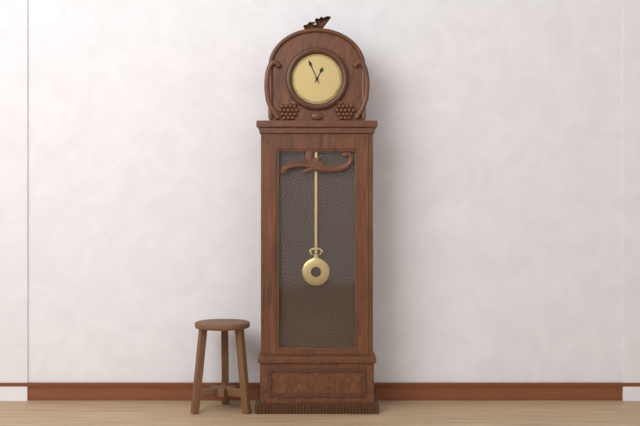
12 h 56 min
